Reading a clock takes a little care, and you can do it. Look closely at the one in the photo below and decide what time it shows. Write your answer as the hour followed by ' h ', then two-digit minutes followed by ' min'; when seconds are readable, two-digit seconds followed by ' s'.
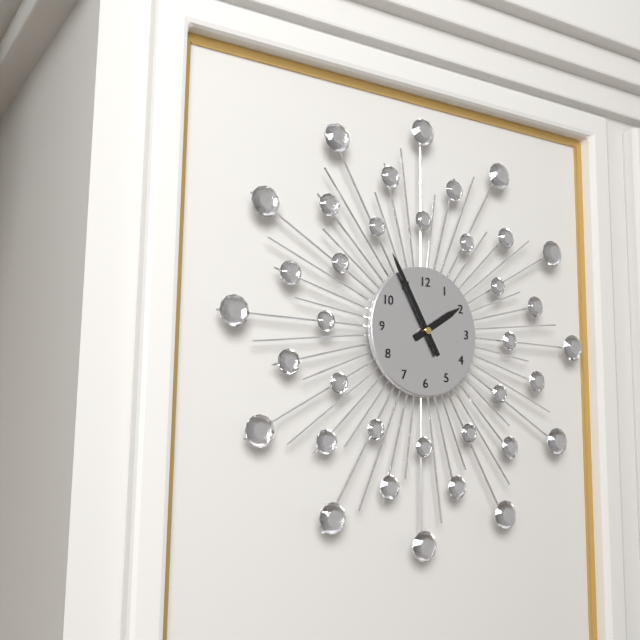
1 h 55 min
